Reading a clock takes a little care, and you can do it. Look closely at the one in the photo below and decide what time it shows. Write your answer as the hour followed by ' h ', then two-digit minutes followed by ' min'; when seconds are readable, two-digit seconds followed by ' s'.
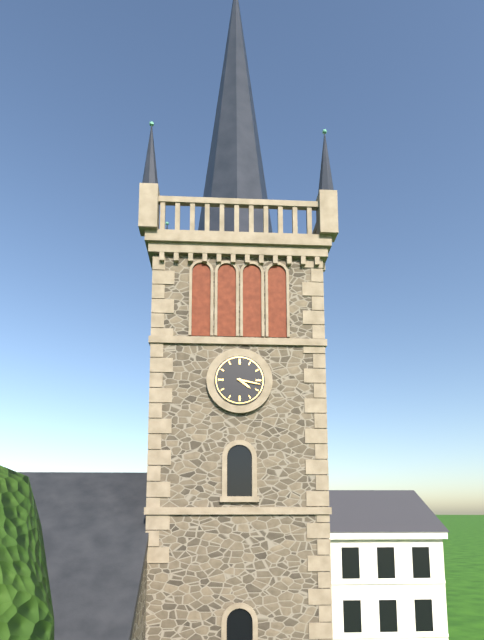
4 h 17 min
